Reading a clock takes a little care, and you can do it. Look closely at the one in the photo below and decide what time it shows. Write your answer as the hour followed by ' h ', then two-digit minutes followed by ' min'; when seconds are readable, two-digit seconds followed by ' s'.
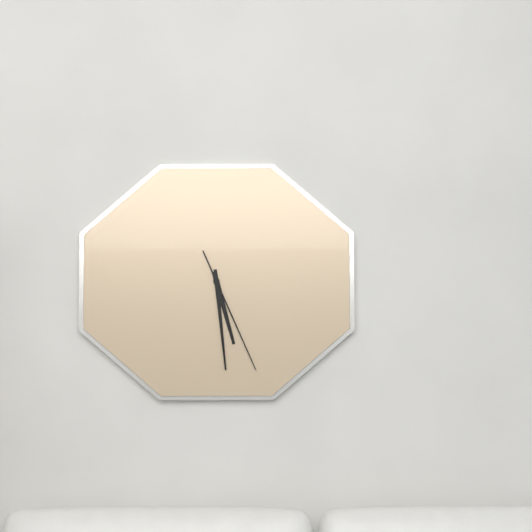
5 h 29 min 26 s
